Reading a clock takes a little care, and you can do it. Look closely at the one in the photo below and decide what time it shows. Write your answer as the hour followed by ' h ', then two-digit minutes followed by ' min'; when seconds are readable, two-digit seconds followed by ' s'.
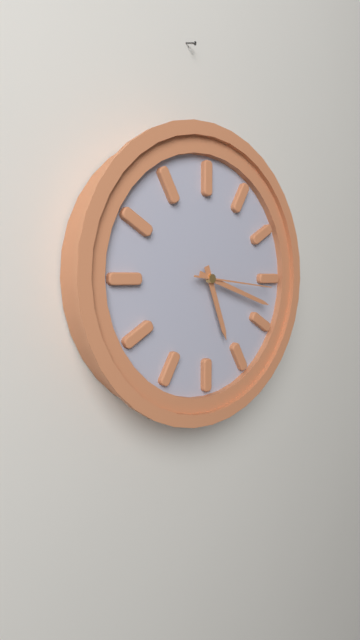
5 h 18 min 16 s
